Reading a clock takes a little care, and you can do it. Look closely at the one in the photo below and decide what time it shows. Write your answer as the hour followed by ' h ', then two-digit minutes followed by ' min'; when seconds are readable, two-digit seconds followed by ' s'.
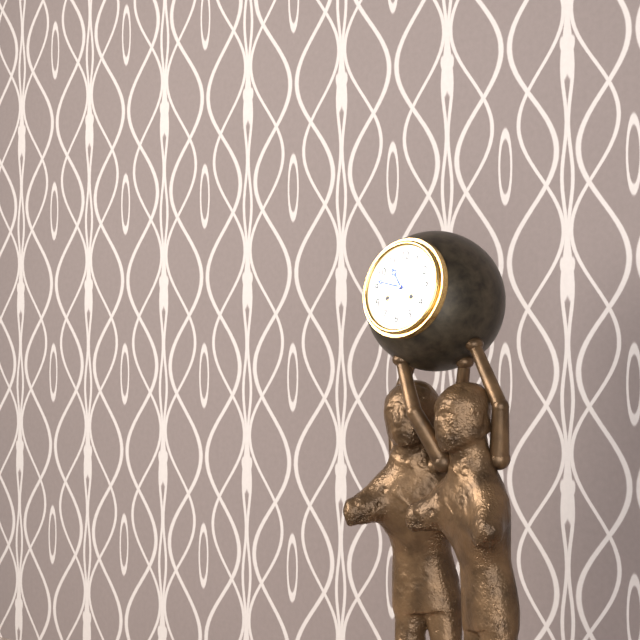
10 h 47 min
